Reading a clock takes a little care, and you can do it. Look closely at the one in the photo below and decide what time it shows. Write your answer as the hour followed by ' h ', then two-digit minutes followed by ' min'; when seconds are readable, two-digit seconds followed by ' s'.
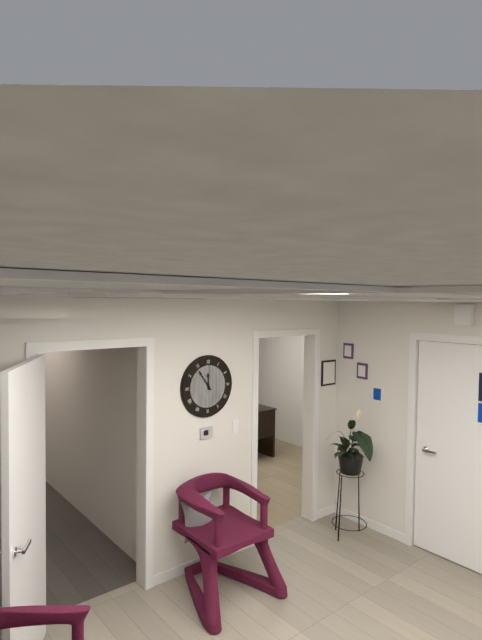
11 h 54 min
